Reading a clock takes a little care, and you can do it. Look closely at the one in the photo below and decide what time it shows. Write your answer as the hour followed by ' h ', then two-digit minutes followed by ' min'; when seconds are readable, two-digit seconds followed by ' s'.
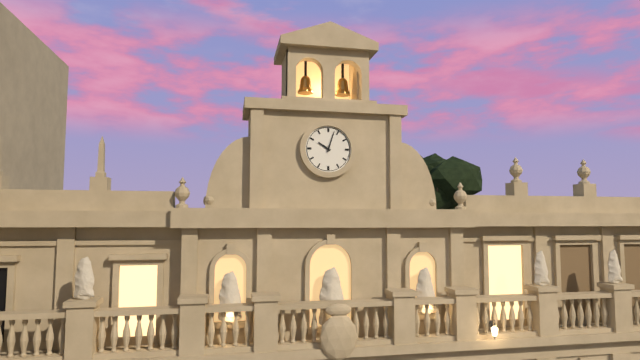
10 h 03 min
